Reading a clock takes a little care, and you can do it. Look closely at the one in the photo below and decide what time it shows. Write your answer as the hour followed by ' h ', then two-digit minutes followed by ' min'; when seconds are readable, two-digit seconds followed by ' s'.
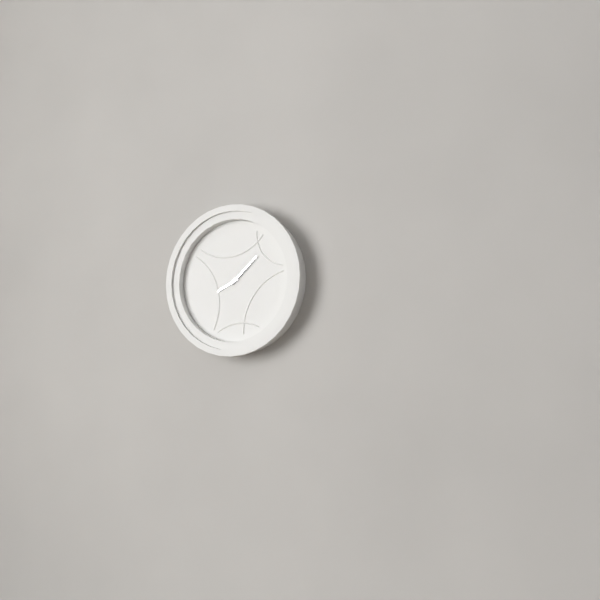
8 h 08 min
